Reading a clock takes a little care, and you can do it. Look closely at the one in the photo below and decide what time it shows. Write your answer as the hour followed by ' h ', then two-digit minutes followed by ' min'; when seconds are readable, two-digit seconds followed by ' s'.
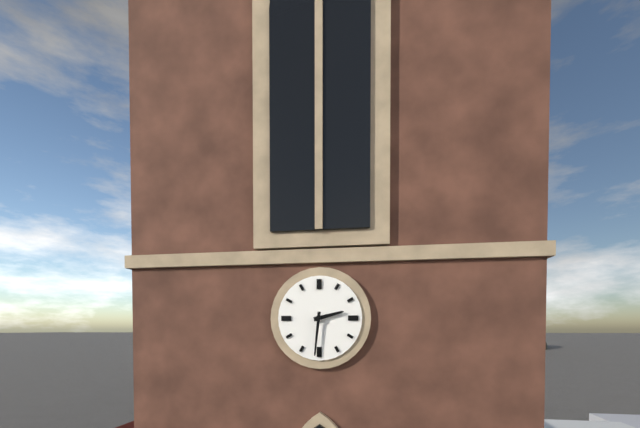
2 h 31 min
